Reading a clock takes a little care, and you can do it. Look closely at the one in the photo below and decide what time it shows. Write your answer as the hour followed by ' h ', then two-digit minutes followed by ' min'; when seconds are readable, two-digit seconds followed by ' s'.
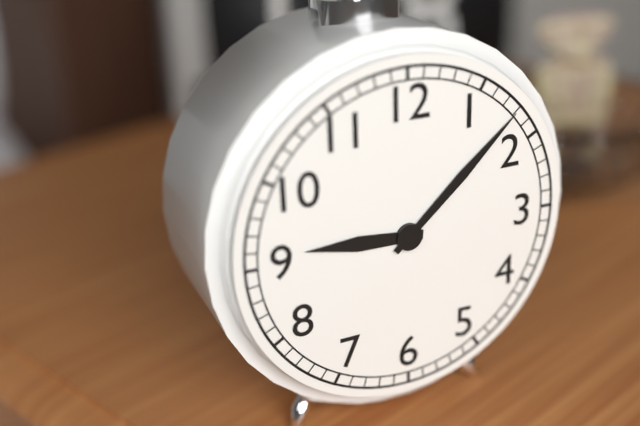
9 h 08 min
